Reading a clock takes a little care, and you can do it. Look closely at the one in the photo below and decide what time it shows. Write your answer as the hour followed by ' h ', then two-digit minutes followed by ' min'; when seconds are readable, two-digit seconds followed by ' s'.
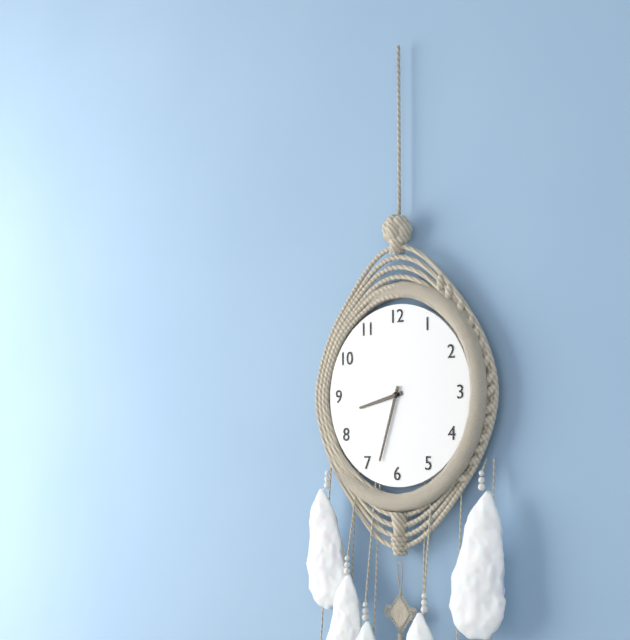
8 h 33 min
